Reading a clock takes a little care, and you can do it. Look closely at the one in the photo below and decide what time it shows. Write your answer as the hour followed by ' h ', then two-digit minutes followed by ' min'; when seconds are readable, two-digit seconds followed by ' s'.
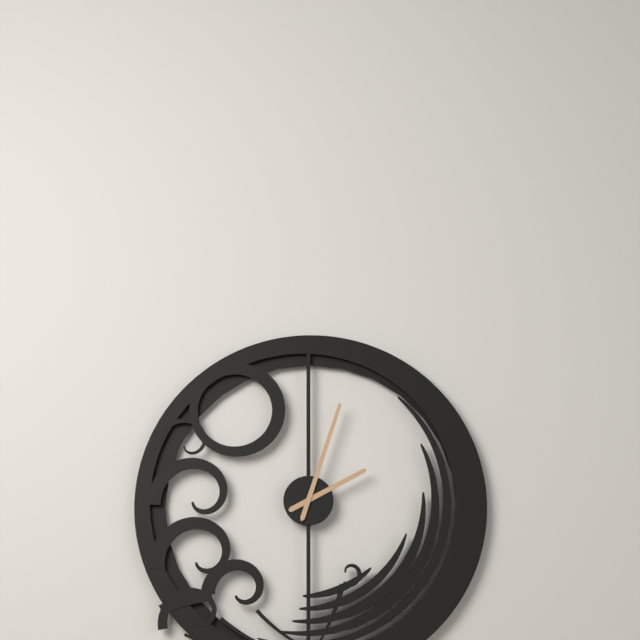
2 h 03 min
